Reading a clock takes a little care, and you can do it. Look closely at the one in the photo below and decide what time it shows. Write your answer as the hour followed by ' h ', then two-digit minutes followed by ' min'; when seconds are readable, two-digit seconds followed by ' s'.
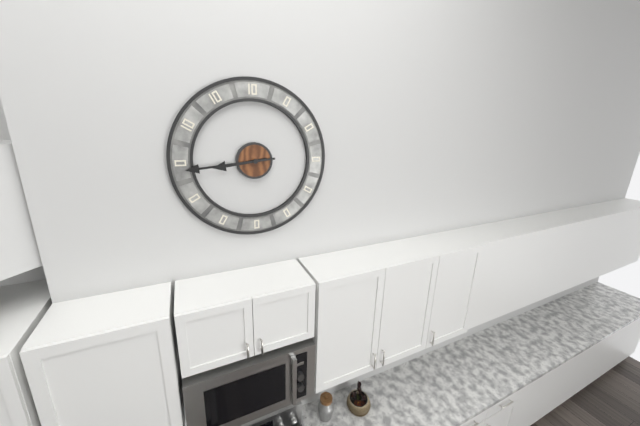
8 h 44 min
